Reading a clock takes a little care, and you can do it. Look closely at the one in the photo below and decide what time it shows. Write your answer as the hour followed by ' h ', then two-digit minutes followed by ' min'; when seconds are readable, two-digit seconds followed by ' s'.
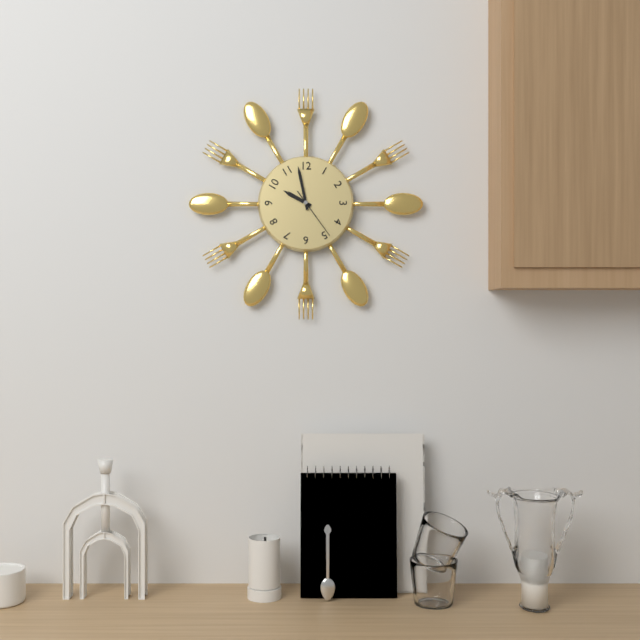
9 h 58 min 24 s
